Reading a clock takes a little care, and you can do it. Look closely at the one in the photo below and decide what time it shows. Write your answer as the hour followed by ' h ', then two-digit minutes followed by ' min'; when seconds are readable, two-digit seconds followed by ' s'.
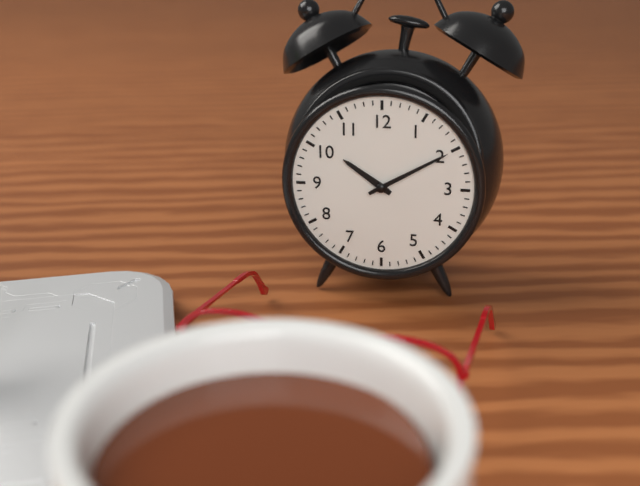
10 h 10 min
